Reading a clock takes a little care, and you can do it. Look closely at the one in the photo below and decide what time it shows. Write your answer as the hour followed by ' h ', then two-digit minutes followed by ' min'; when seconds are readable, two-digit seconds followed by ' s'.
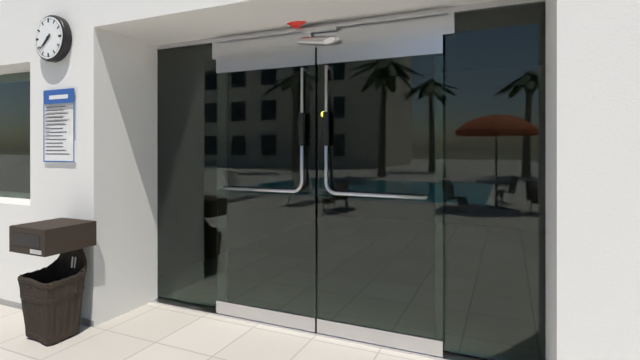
7 h 38 min
